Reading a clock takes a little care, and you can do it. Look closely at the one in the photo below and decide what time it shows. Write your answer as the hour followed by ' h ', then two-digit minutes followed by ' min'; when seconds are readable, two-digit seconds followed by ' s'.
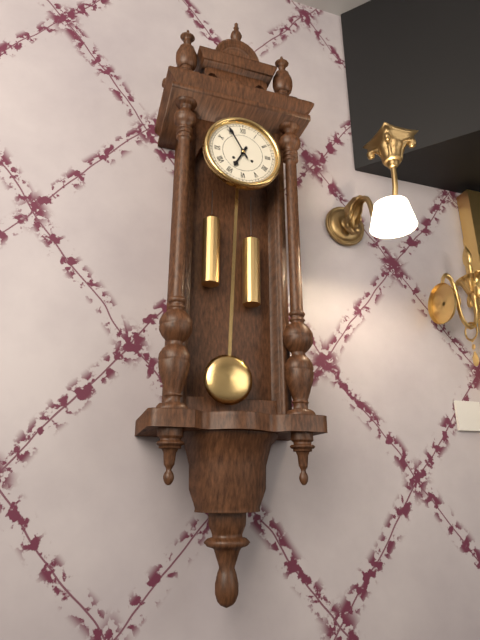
6 h 55 min
